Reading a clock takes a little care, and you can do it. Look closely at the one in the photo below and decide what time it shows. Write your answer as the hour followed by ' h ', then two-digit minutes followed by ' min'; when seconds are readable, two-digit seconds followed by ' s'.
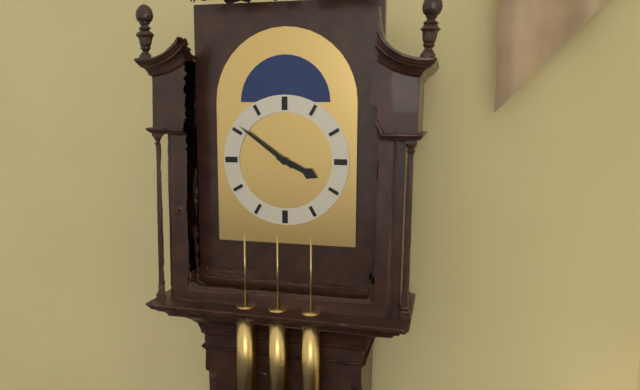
3 h 51 min
